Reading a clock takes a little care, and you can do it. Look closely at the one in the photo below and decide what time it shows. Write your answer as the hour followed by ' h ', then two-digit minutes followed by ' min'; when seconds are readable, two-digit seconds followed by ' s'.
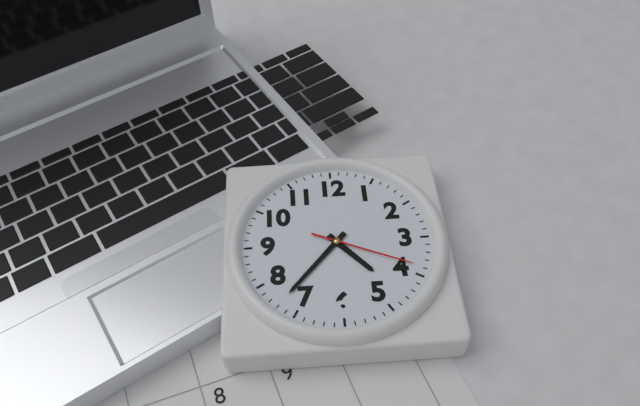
4 h 37 min 19 s
